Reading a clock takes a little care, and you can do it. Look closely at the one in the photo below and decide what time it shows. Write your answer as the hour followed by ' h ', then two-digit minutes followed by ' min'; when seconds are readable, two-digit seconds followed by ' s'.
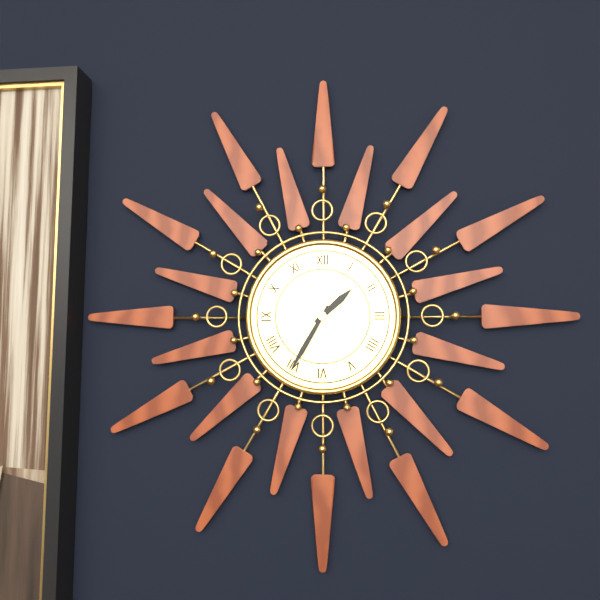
1 h 35 min
